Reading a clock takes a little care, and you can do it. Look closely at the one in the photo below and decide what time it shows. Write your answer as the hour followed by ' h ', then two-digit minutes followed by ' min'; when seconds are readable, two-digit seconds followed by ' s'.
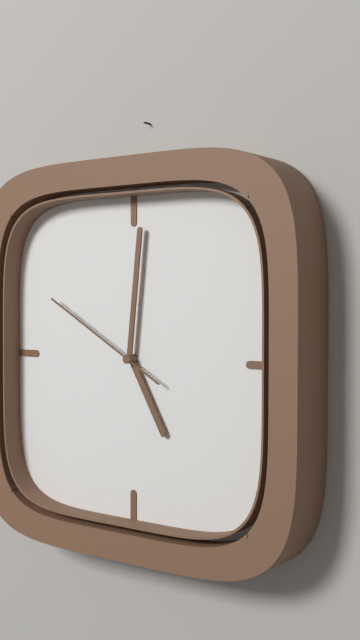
5 h 01 min 50 s
